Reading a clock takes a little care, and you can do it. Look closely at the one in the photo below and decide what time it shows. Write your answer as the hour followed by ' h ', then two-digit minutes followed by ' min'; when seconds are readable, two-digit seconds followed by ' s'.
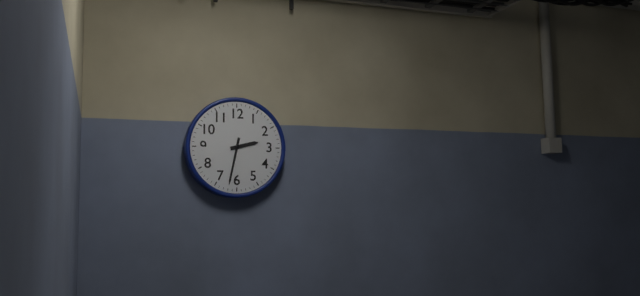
2 h 32 min
